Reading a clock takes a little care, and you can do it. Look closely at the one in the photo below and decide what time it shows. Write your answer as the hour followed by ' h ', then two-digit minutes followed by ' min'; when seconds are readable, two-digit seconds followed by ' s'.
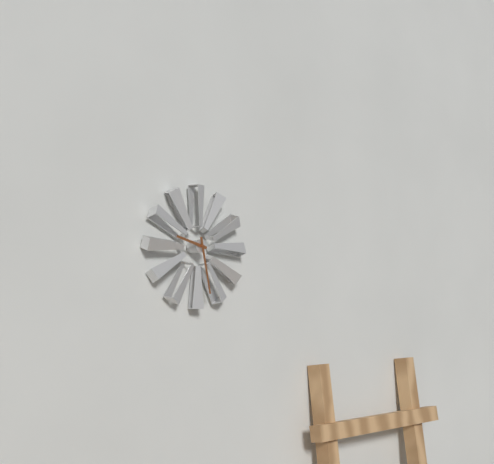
9 h 28 min
